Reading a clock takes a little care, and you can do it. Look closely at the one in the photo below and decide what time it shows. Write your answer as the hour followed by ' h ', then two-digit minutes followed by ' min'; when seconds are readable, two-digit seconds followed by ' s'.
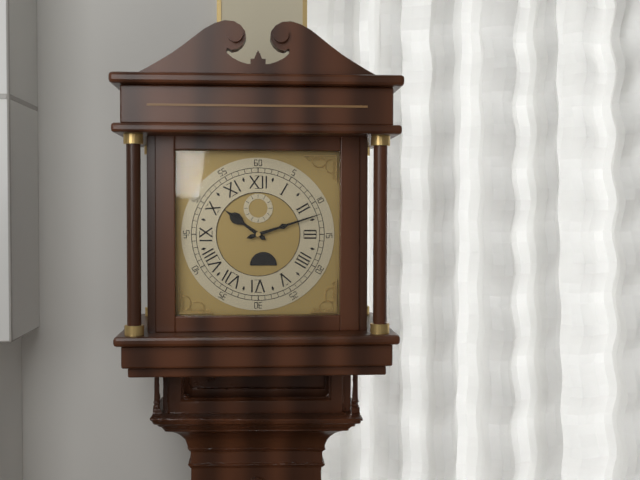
10 h 12 min
